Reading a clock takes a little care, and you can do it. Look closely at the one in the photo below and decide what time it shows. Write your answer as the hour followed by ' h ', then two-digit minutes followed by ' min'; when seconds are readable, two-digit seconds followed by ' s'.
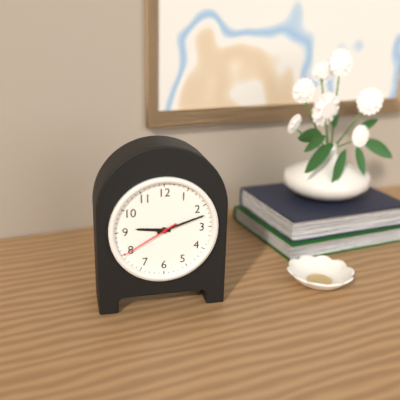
9 h 12 min 40 s
